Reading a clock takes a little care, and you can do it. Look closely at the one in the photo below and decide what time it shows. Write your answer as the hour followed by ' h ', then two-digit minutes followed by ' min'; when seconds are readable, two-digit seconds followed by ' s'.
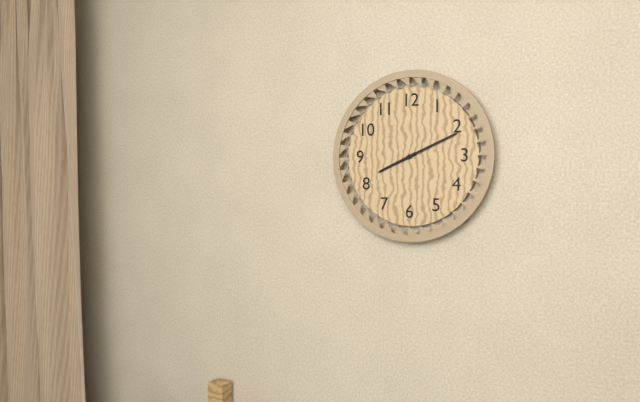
8 h 11 min
